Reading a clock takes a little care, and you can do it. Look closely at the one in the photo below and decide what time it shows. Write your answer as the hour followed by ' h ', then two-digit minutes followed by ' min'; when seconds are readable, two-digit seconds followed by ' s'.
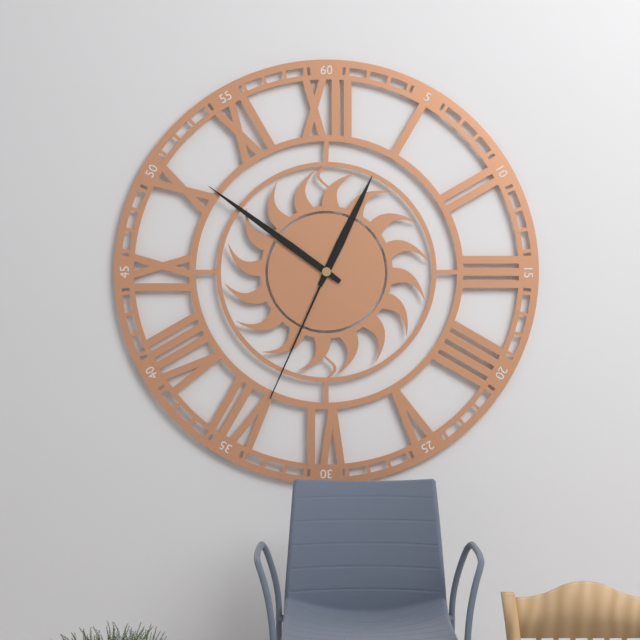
12 h 51 min 34 s
